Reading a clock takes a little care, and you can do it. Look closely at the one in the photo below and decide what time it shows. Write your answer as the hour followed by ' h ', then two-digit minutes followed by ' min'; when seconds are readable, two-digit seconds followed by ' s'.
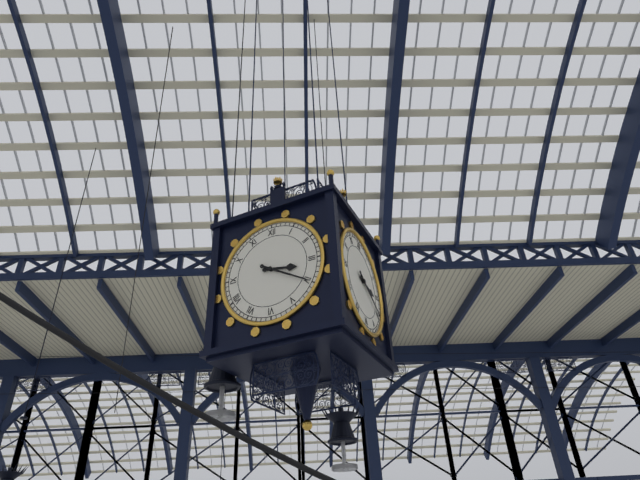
3 h 20 min
